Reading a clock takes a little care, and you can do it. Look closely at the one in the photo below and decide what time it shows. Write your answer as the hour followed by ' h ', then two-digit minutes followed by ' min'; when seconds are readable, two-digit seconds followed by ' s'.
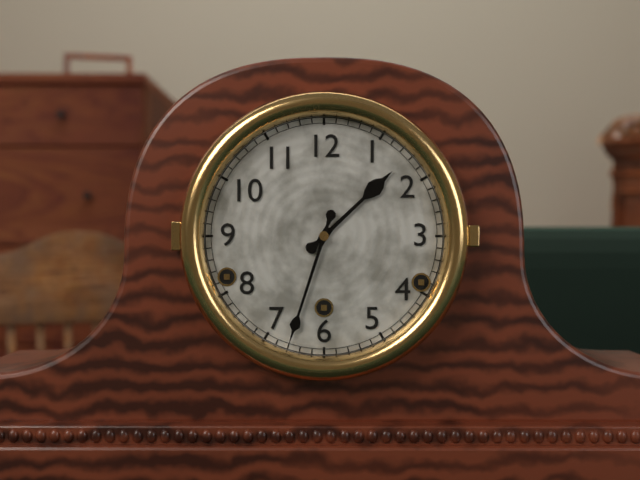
1 h 33 min
